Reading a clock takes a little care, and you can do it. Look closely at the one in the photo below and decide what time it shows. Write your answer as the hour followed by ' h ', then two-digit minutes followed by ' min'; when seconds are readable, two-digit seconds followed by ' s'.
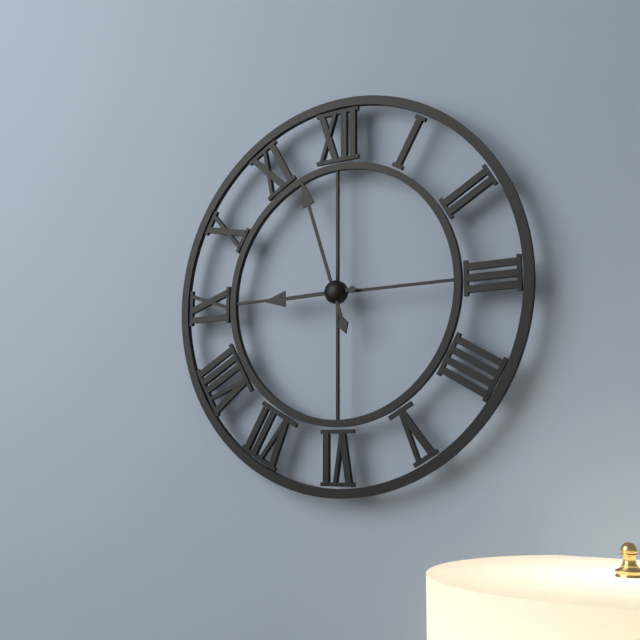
8 h 57 min
